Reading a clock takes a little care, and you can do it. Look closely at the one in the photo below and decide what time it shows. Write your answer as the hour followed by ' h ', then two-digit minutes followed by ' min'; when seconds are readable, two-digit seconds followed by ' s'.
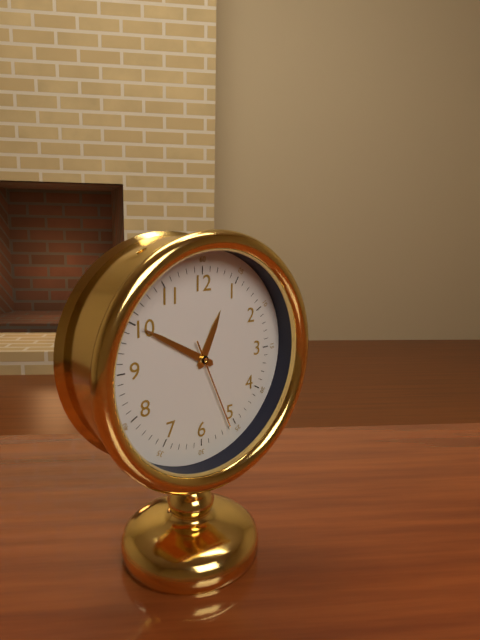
12 h 50 min 26 s
